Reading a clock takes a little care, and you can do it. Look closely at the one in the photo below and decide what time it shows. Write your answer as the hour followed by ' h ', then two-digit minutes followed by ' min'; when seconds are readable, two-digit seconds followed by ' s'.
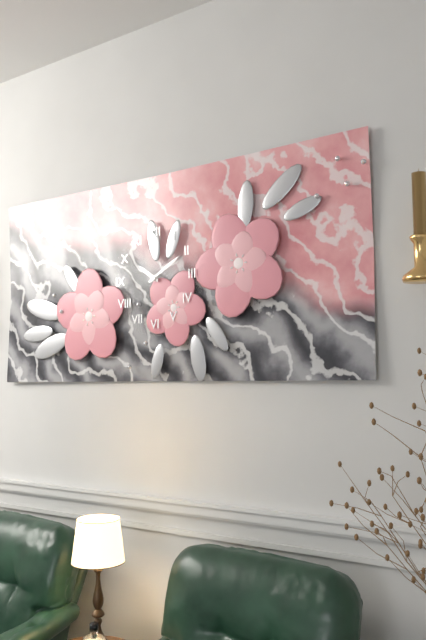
10 h 10 min
